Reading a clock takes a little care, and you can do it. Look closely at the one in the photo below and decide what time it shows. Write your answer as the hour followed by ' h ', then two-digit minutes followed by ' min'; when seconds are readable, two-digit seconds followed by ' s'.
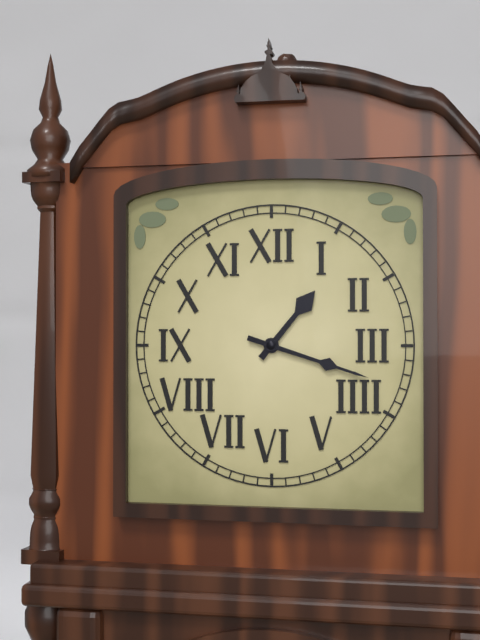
1 h 18 min
